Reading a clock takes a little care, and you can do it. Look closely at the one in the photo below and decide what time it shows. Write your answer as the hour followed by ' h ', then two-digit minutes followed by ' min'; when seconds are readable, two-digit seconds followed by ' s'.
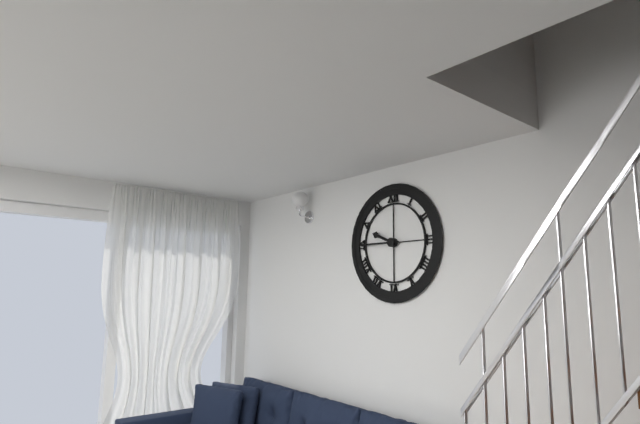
9 h 45 min
